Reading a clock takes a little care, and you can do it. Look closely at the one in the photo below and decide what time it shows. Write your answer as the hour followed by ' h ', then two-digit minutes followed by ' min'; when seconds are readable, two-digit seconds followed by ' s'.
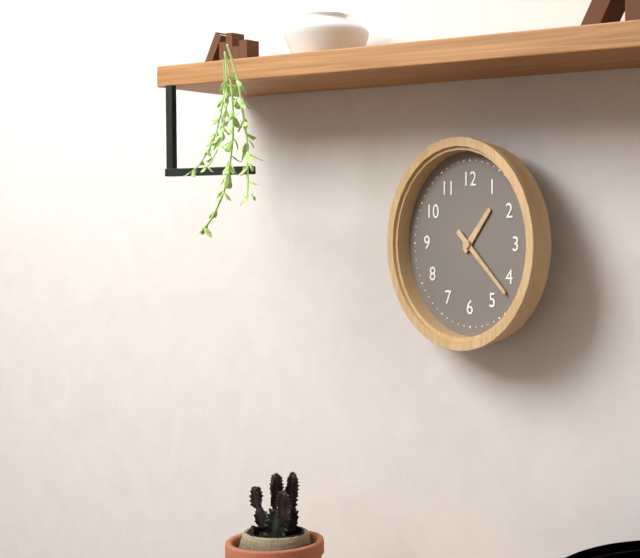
1 h 22 min
